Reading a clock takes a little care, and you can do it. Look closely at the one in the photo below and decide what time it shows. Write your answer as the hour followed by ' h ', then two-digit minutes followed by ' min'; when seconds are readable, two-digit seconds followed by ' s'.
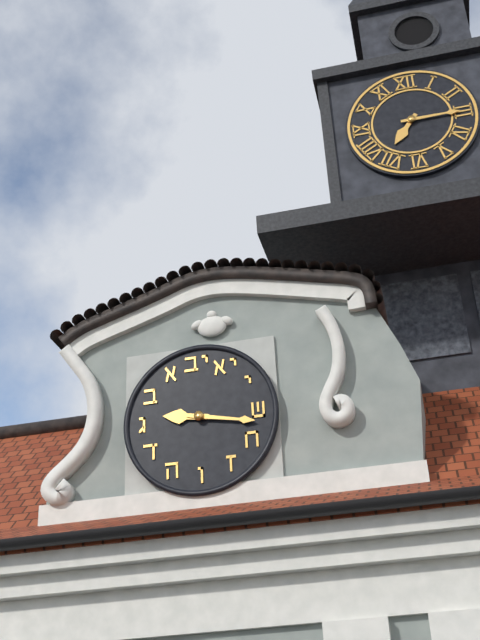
9 h 17 min
